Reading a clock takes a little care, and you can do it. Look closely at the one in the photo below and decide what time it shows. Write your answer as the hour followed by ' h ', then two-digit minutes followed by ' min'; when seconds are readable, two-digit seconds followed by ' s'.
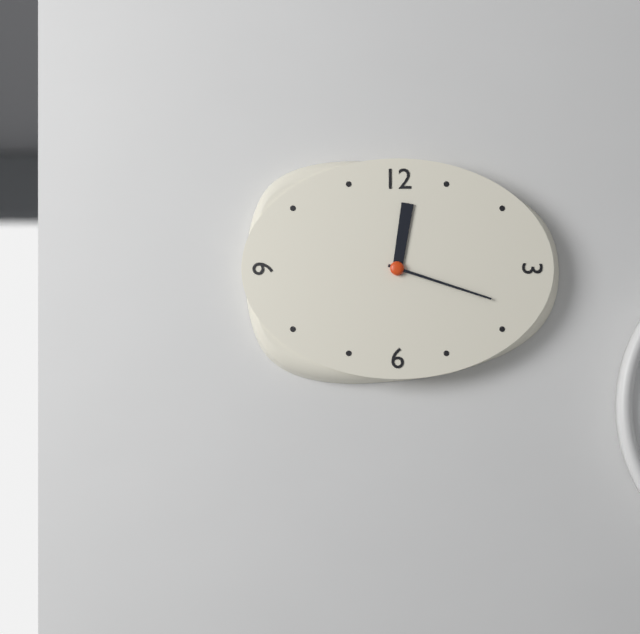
12 h 18 min
